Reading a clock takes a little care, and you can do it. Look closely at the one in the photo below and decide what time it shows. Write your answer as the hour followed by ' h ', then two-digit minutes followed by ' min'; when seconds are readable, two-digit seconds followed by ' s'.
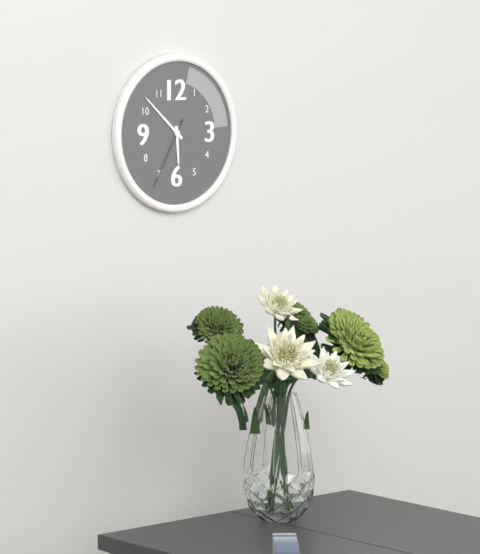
5 h 52 min 35 s
